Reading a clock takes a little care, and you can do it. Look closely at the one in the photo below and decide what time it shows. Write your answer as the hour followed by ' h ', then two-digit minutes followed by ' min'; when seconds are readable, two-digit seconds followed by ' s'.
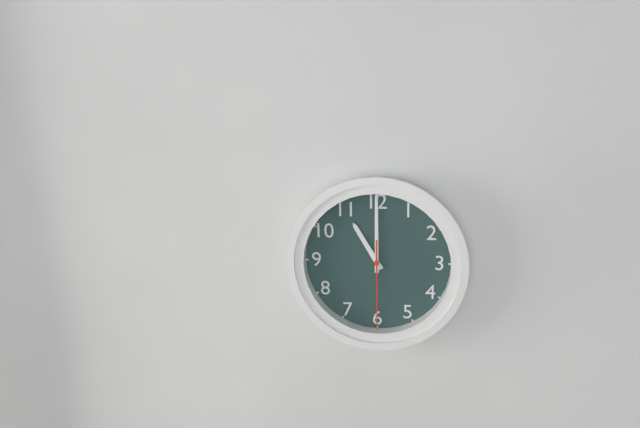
11 h 00 min 30 s
